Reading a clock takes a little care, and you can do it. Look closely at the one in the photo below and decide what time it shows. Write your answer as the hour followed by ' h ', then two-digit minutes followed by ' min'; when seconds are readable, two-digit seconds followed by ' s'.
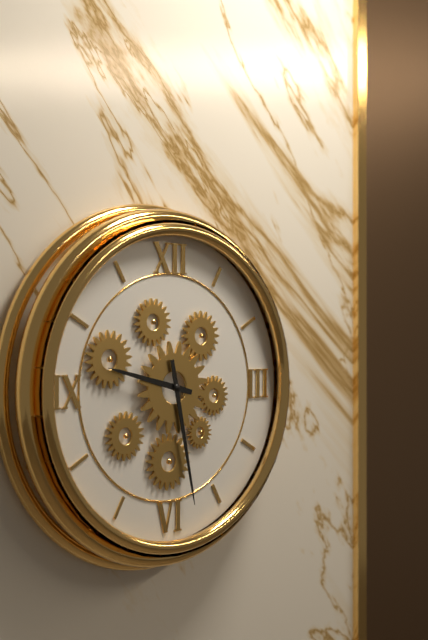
9 h 28 min
